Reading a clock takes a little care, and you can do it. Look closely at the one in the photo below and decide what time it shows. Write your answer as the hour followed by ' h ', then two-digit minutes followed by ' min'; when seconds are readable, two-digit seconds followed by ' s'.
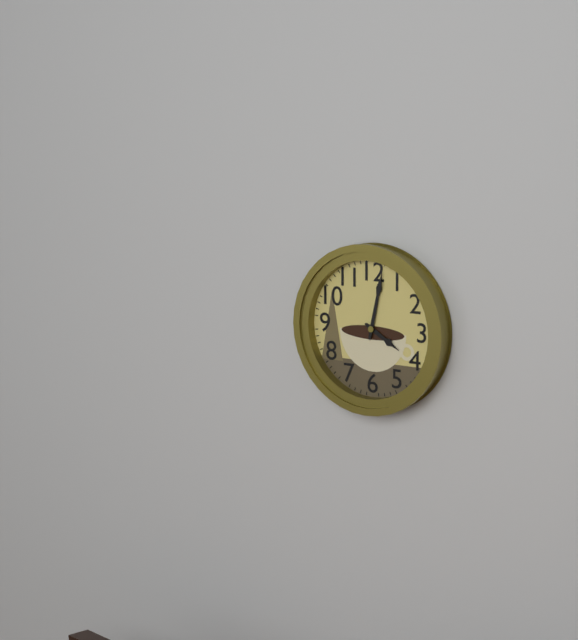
4 h 02 min
